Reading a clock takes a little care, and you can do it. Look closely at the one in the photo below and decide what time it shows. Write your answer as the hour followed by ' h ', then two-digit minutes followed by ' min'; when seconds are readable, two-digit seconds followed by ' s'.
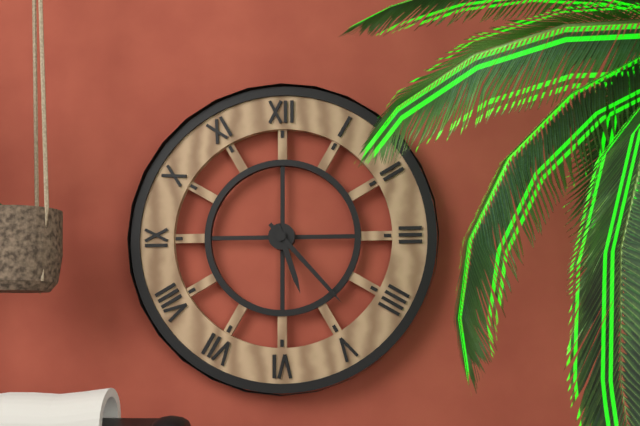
5 h 23 min
